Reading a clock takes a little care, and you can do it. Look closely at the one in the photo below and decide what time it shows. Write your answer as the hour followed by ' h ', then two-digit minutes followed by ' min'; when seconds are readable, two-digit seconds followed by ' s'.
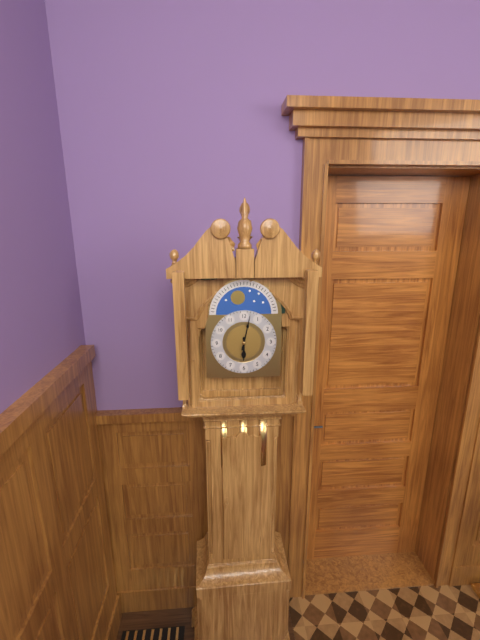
6 h 02 min
